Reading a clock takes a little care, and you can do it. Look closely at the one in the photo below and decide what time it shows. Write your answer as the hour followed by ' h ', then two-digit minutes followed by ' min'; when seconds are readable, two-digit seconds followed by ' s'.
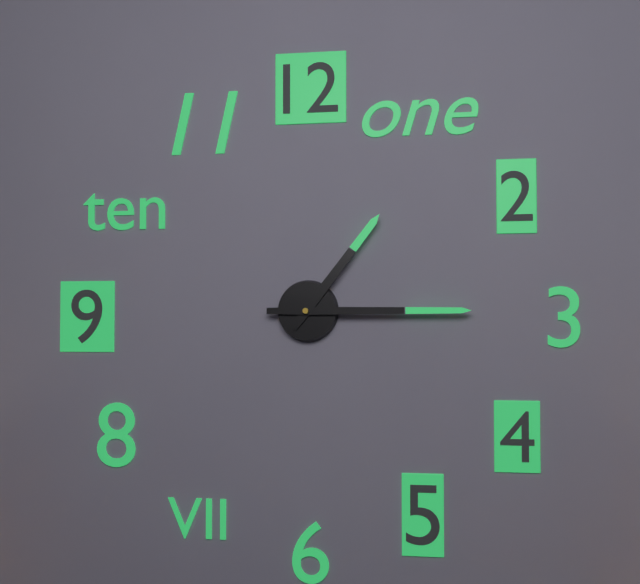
1 h 15 min
